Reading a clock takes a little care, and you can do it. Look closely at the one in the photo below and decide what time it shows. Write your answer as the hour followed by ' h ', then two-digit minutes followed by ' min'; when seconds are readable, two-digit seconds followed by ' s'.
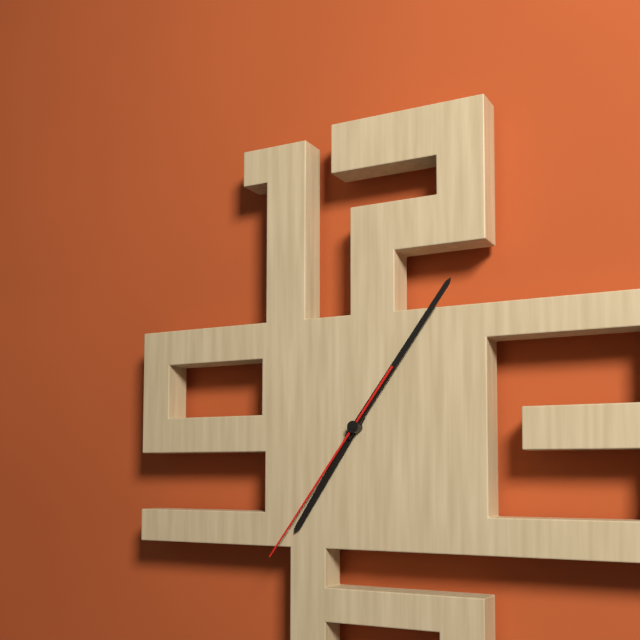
7 h 06 min 36 s
